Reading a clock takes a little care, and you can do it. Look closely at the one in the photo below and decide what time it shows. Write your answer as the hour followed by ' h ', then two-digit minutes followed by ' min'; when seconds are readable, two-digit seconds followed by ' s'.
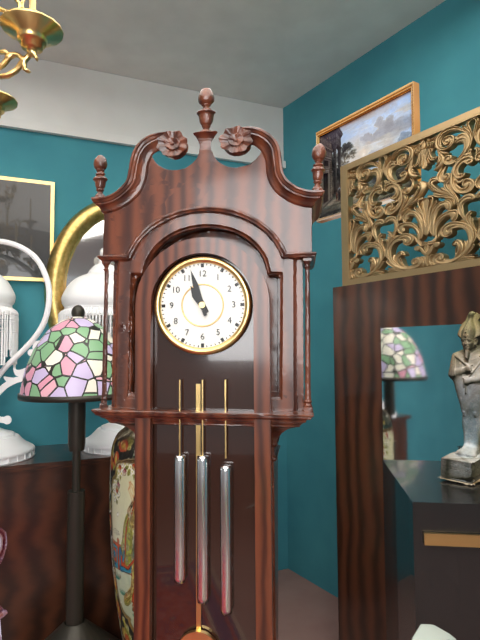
10 h 57 min
